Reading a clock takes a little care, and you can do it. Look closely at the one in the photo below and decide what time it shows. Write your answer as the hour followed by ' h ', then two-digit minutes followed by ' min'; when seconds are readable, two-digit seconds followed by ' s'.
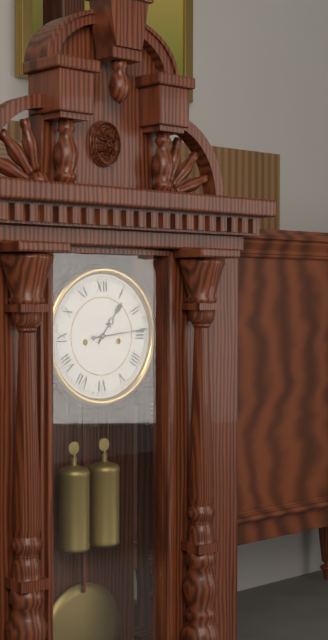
1 h 14 min
